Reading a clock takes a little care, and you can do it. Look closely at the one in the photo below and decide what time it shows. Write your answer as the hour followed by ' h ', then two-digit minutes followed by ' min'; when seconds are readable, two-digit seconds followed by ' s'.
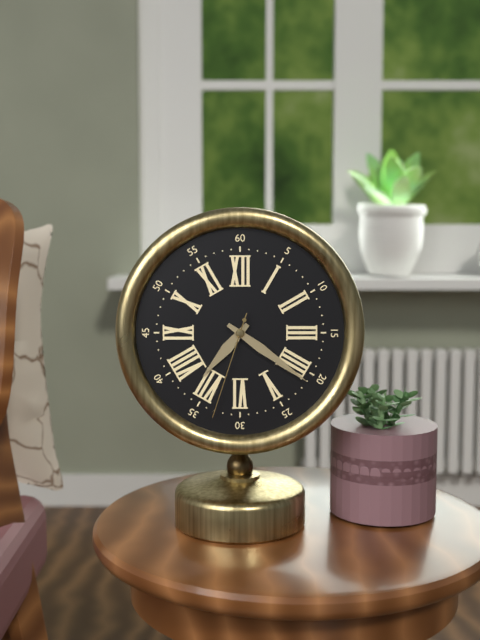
7 h 21 min 33 s
